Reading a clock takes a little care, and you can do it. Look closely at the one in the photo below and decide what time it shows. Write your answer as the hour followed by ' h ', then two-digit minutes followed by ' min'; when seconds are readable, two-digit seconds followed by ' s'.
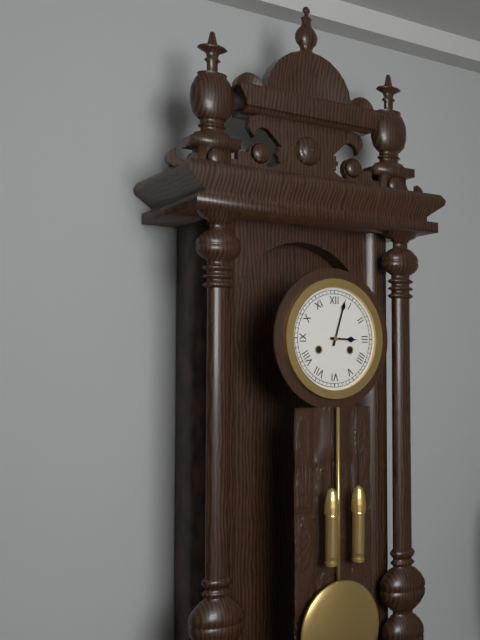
3 h 03 min
